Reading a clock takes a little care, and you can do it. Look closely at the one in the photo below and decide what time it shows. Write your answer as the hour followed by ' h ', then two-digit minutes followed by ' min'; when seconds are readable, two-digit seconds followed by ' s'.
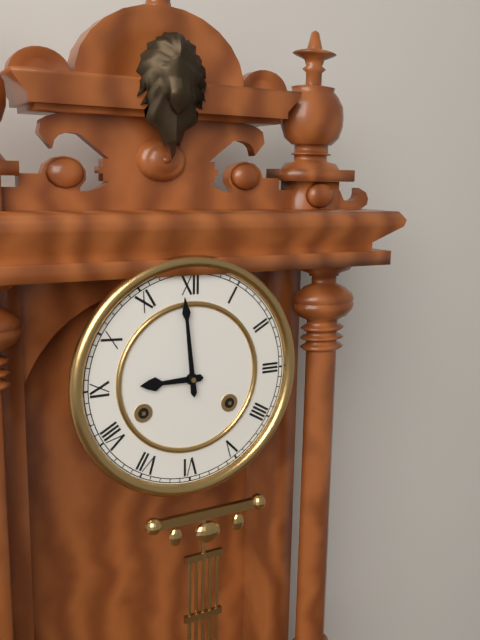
8 h 59 min
